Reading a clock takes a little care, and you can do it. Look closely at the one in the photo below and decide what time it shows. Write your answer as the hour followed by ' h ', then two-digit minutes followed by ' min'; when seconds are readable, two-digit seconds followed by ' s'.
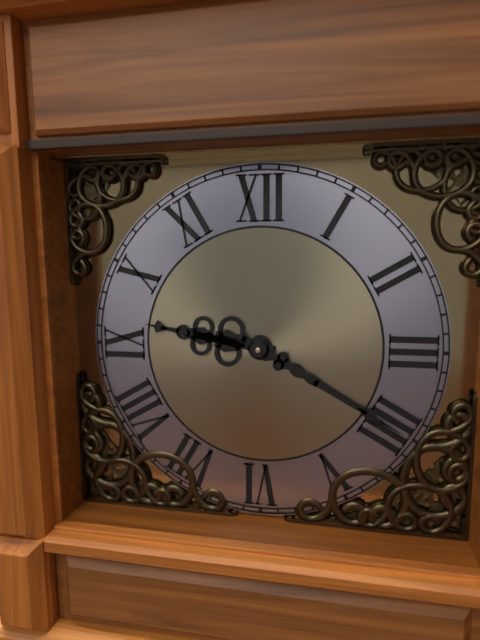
9 h 20 min
